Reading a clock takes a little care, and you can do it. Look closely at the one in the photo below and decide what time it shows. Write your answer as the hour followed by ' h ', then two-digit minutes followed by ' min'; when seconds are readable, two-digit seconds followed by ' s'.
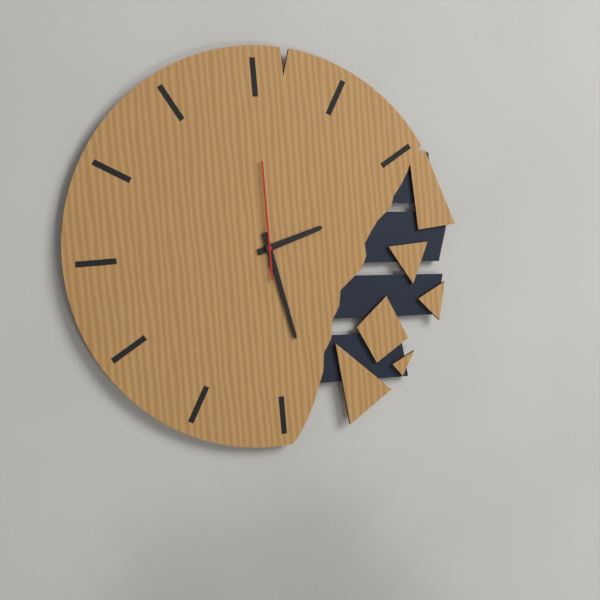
2 h 28 min 00 s
